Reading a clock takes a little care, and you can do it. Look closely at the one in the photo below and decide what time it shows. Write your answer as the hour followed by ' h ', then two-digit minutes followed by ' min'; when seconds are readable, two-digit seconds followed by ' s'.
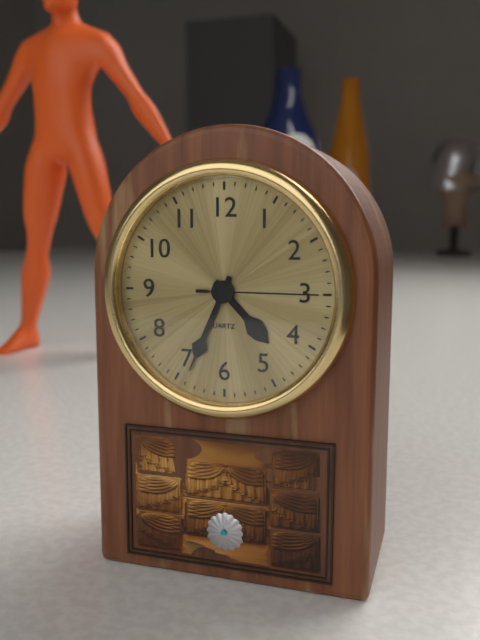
4 h 34 min 15 s
